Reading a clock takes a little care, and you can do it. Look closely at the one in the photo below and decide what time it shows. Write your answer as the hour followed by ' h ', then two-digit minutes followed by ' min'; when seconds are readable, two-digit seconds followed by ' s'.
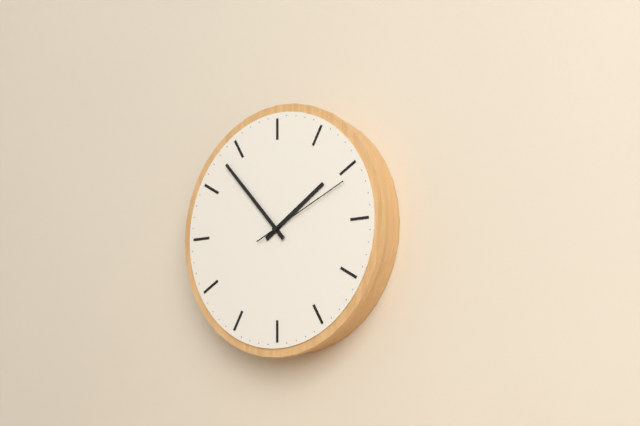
1 h 53 min 11 s
